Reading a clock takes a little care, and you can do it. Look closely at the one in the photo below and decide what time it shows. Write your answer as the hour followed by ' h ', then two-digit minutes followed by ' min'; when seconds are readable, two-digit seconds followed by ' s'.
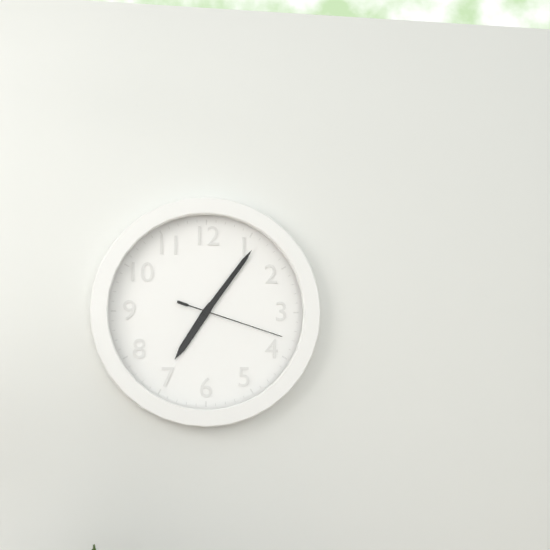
7 h 06 min 18 s
